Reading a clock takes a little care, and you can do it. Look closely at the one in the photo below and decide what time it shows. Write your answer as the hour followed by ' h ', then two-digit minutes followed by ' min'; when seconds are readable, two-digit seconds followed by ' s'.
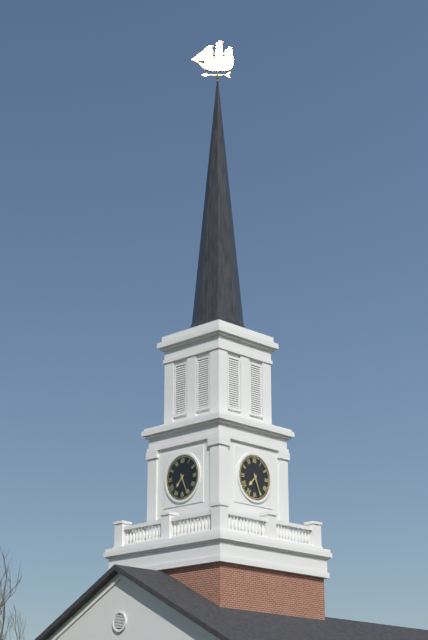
7 h 26 min
